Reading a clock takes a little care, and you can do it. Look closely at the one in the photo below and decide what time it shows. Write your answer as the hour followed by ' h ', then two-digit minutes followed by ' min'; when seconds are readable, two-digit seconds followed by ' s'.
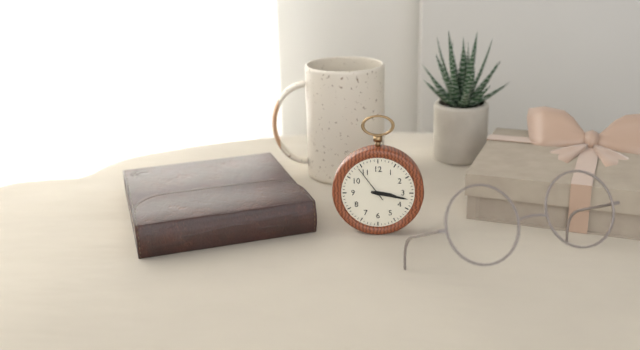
3 h 17 min
